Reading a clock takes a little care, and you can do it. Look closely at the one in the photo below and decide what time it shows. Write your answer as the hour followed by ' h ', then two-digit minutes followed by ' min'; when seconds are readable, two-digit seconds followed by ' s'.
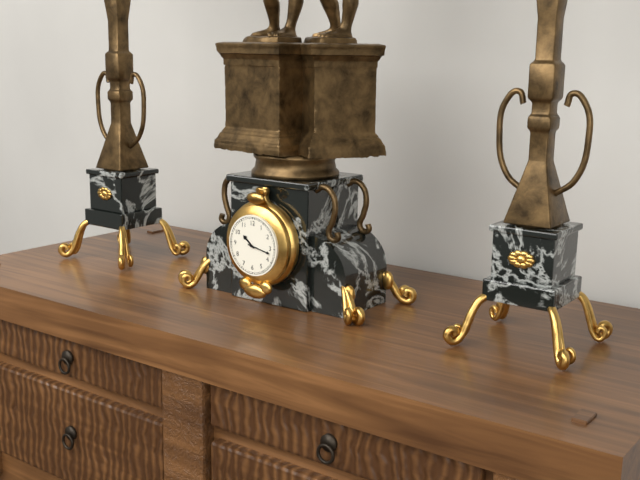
10 h 17 min
